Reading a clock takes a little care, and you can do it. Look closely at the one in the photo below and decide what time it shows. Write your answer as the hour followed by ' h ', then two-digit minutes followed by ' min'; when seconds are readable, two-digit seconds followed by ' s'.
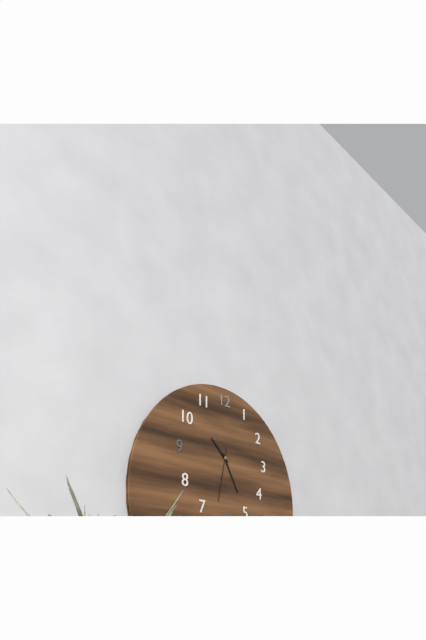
10 h 25 min 32 s
